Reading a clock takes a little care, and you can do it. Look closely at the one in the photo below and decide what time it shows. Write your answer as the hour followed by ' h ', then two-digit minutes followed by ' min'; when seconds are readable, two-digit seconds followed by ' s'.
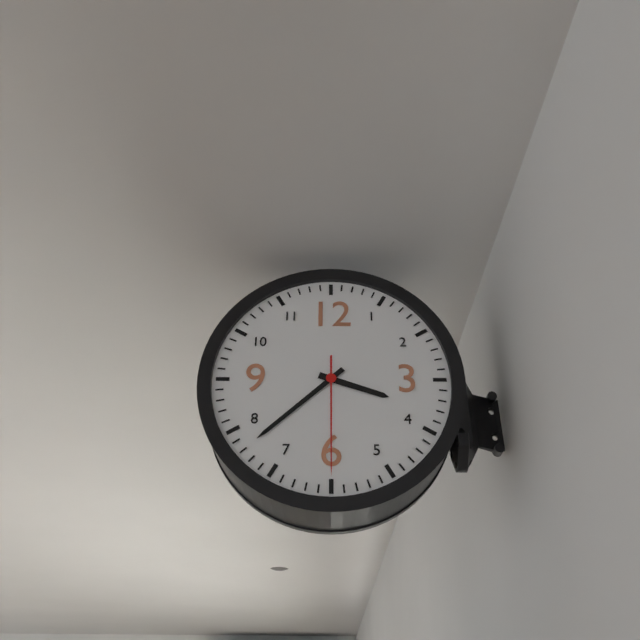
3 h 38 min 30 s
